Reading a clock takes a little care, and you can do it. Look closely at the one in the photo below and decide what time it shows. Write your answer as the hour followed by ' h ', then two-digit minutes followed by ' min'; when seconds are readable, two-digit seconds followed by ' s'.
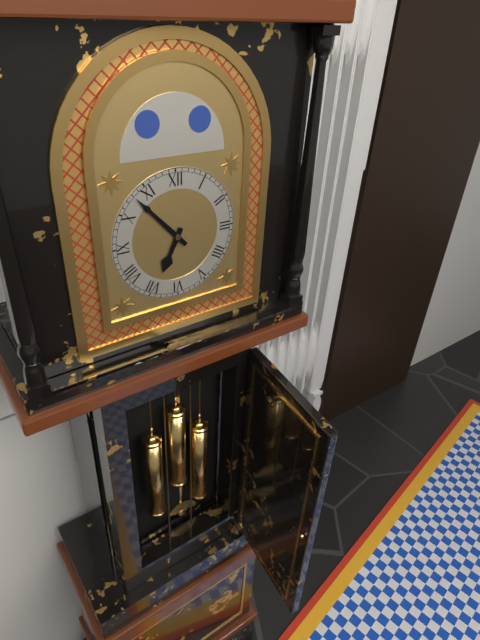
6 h 53 min
